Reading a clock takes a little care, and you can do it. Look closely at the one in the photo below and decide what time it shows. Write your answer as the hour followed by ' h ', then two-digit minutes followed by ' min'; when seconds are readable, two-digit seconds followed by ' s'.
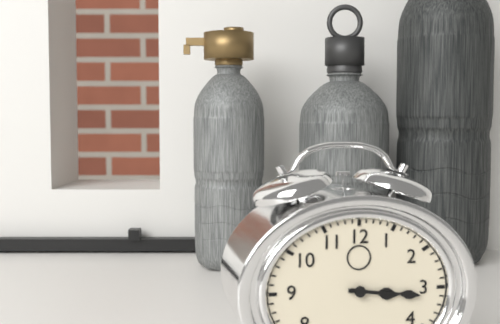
3 h 16 min
